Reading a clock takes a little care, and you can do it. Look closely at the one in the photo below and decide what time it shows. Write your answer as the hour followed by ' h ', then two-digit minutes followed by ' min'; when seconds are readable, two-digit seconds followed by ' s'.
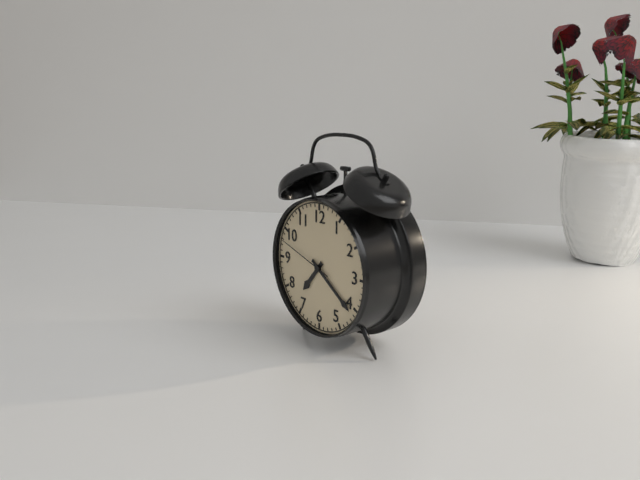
7 h 21 min 48 s
